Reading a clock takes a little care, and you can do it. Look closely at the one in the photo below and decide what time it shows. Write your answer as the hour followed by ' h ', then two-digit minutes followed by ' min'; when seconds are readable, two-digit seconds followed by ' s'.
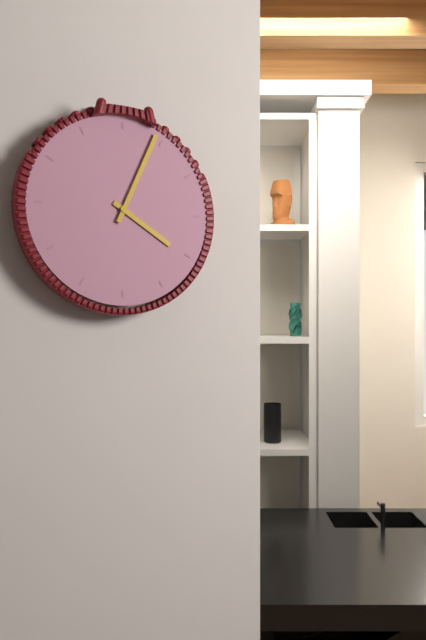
4 h 04 min
